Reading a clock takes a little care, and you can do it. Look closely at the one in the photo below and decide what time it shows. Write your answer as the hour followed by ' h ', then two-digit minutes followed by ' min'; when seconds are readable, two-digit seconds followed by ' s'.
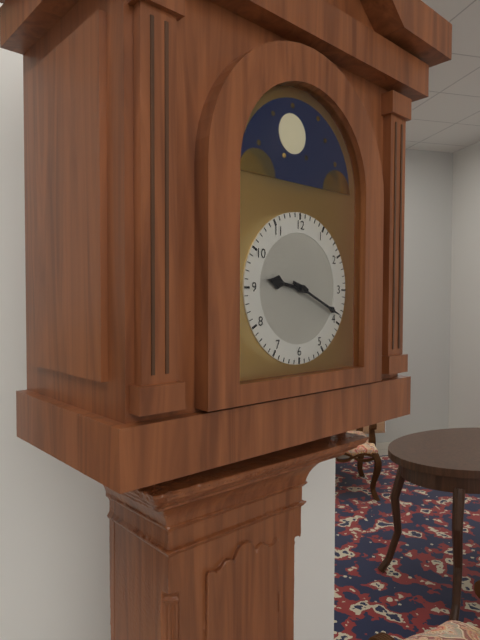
9 h 19 min
